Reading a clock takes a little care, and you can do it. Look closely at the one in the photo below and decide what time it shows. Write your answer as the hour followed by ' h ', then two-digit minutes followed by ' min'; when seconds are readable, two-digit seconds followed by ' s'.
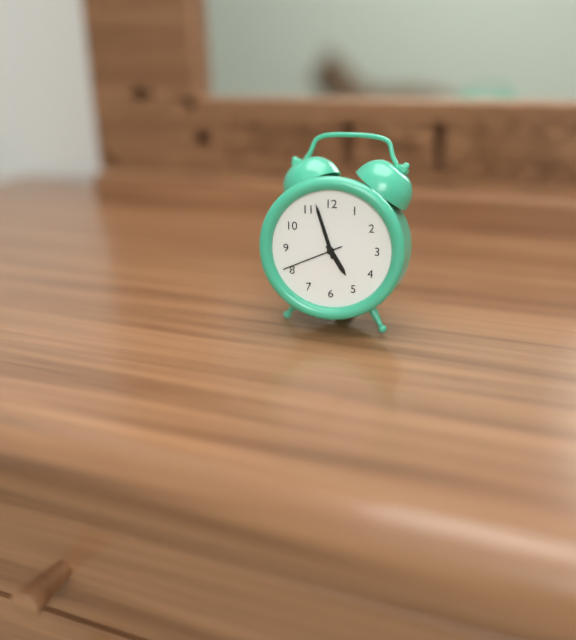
4 h 57 min 41 s
